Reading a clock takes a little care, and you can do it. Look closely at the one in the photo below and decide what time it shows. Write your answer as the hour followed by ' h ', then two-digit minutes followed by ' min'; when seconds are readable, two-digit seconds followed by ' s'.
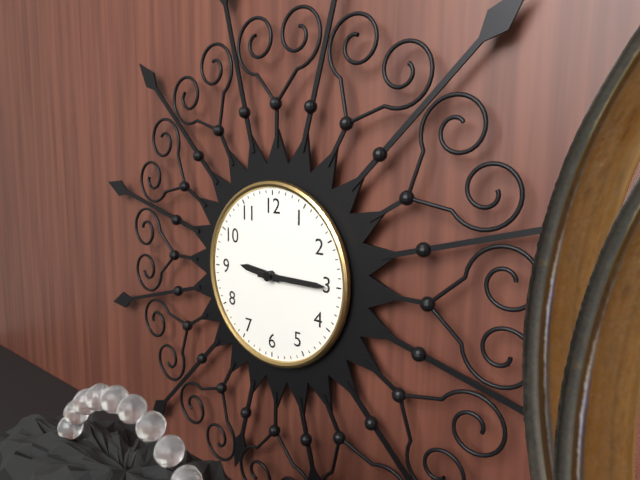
9 h 15 min
